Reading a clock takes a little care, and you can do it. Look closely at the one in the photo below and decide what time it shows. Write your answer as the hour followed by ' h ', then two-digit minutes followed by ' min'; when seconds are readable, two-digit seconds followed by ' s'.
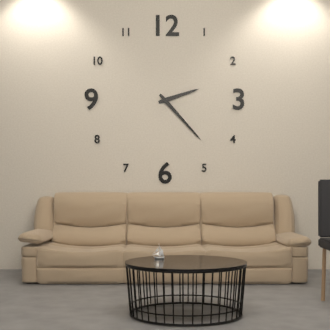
2 h 23 min
